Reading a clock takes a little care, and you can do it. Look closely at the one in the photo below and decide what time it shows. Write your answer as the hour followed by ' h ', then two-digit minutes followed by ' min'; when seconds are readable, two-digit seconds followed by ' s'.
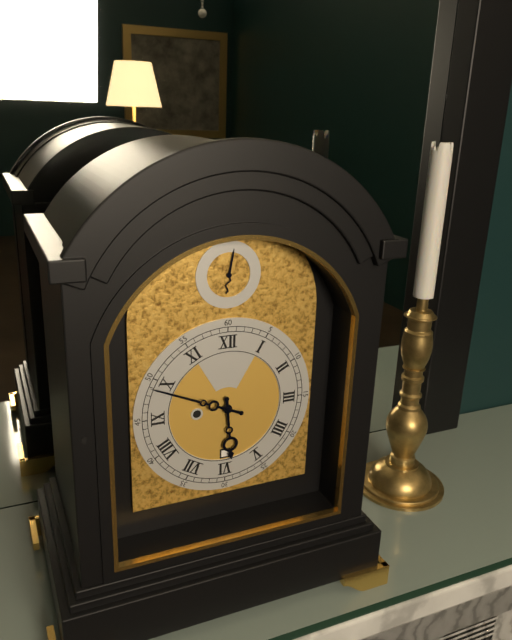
5 h 49 min
